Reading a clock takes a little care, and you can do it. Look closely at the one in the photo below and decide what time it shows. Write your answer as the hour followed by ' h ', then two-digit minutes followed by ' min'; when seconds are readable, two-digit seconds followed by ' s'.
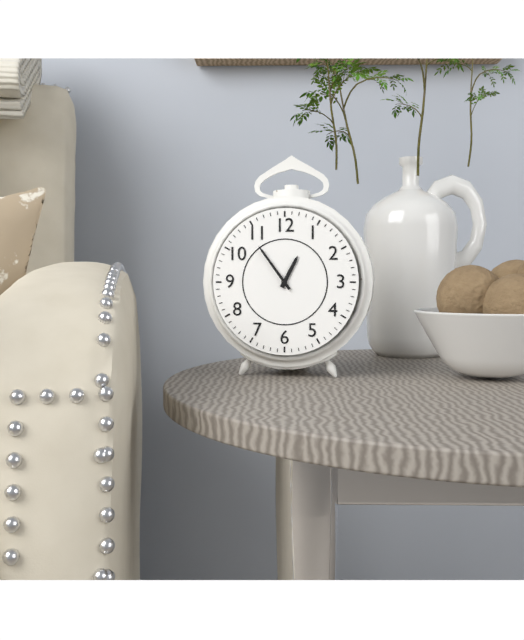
12 h 54 min
